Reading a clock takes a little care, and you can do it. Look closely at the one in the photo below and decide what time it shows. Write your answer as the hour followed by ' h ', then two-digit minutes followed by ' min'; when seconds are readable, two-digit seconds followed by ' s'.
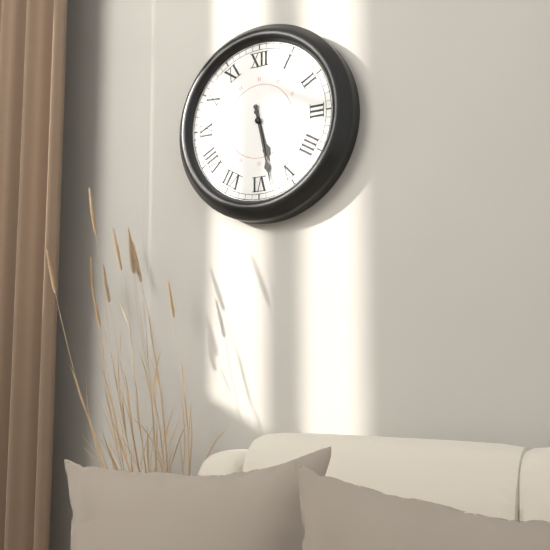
5 h 28 min
